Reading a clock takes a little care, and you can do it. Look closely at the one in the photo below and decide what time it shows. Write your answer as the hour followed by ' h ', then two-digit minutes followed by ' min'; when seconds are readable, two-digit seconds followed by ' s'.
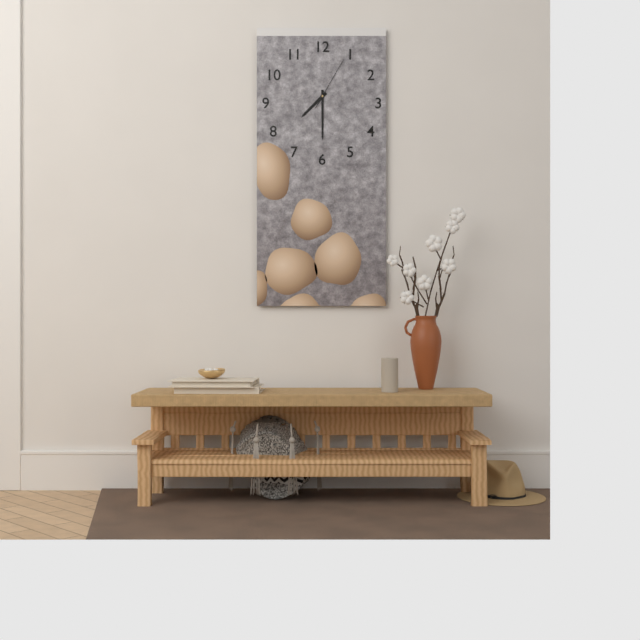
7 h 30 min 05 s
